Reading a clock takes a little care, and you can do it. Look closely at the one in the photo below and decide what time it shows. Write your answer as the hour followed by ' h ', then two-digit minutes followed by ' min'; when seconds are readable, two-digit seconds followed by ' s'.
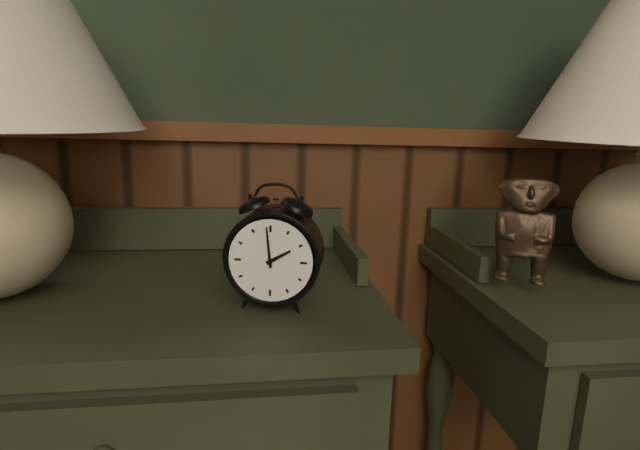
1 h 59 min
